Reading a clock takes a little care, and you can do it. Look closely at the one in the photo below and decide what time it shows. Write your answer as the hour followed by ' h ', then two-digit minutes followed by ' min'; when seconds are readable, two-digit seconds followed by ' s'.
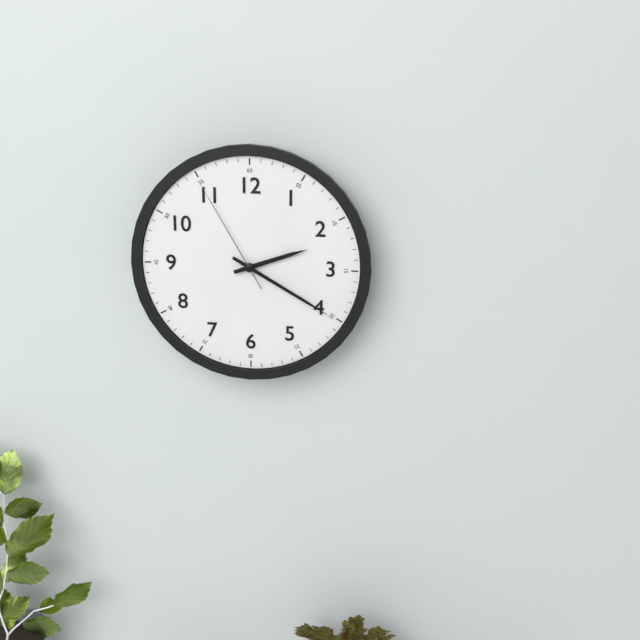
2 h 20 min 55 s
